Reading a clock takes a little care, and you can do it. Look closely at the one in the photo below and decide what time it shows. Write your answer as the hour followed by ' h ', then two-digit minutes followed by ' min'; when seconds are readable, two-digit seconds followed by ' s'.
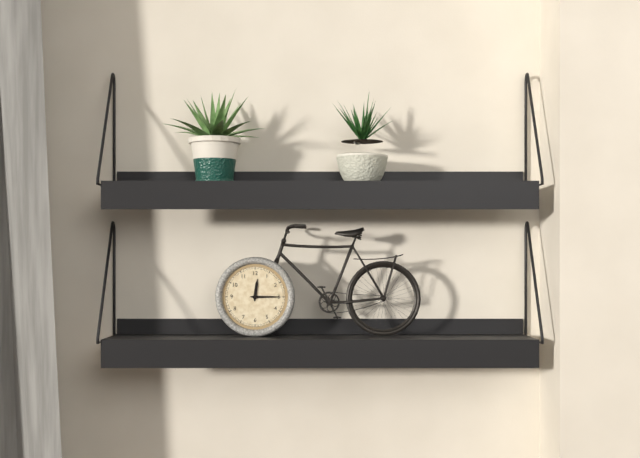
12 h 15 min
